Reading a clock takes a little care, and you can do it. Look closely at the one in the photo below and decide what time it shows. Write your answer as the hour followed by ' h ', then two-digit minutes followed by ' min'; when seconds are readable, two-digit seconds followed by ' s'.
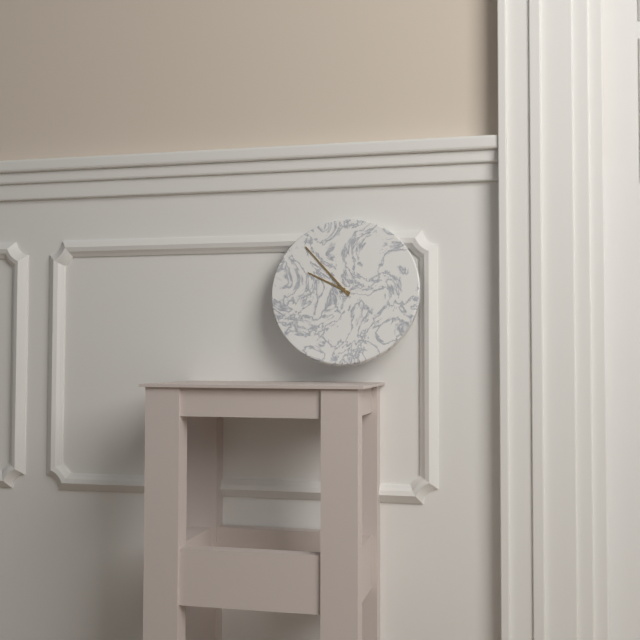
9 h 53 min
